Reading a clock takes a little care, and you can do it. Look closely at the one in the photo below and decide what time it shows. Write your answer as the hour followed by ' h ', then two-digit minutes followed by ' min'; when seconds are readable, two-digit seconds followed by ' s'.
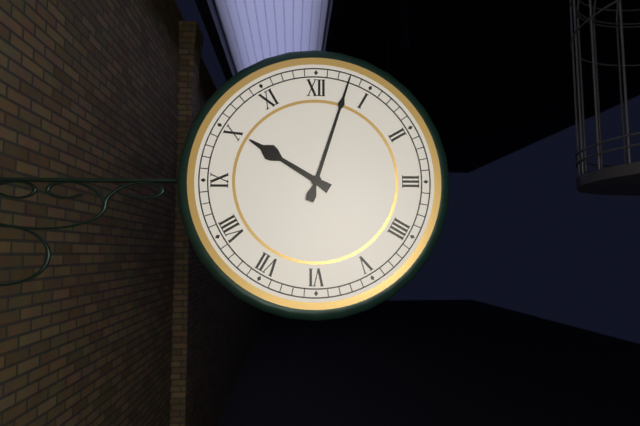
10 h 03 min
